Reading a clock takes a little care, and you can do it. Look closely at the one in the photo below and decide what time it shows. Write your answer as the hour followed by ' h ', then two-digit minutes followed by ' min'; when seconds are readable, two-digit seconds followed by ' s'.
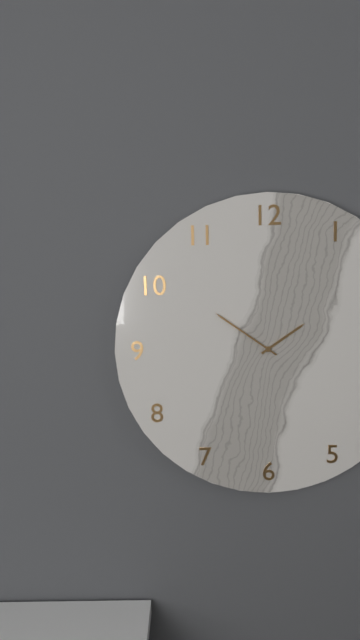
1 h 51 min
